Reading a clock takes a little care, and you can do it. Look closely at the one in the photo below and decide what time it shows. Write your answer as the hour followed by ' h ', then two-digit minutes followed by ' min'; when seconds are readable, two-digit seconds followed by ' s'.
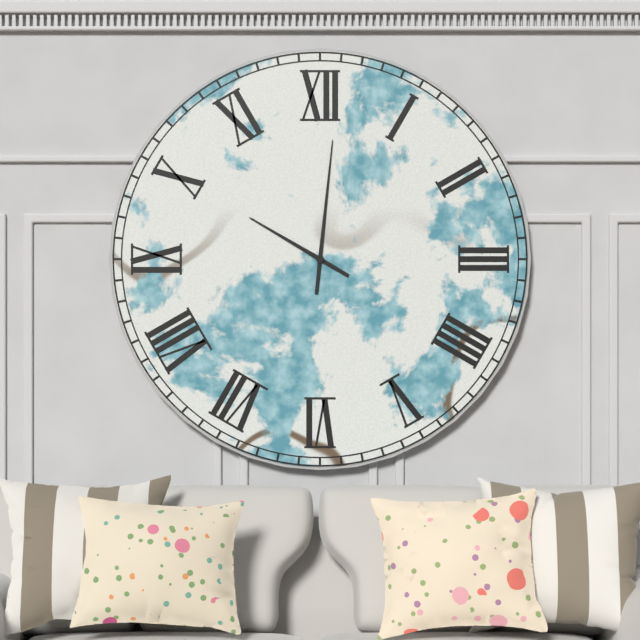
10 h 01 min
